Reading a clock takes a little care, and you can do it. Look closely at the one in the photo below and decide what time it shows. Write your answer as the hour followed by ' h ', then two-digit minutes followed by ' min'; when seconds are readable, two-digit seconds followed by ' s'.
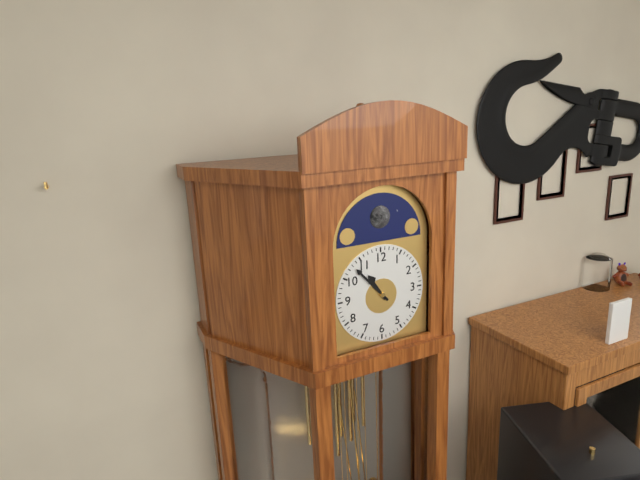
10 h 53 min
